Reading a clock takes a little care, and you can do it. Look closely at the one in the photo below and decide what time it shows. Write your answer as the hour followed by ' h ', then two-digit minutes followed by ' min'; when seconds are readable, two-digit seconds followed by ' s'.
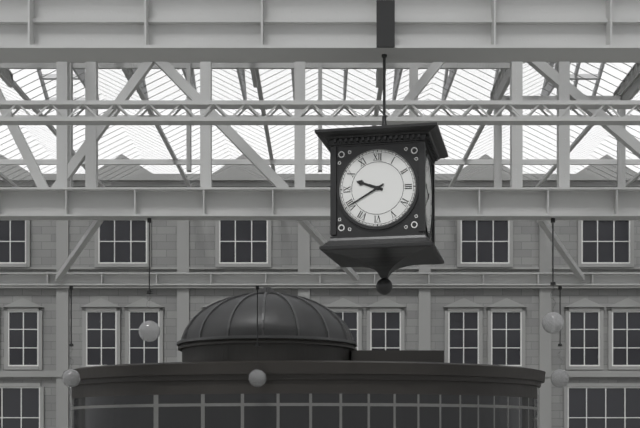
9 h 40 min
